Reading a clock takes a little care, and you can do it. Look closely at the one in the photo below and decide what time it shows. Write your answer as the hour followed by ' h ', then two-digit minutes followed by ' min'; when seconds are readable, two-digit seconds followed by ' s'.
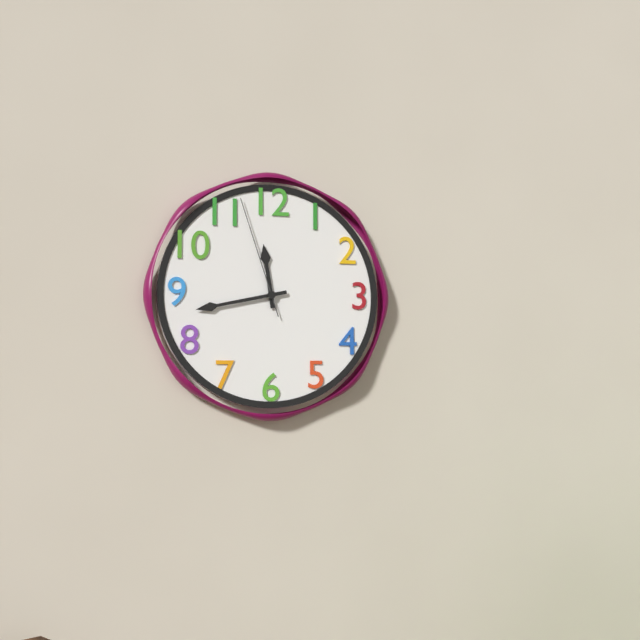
11 h 43 min 57 s
